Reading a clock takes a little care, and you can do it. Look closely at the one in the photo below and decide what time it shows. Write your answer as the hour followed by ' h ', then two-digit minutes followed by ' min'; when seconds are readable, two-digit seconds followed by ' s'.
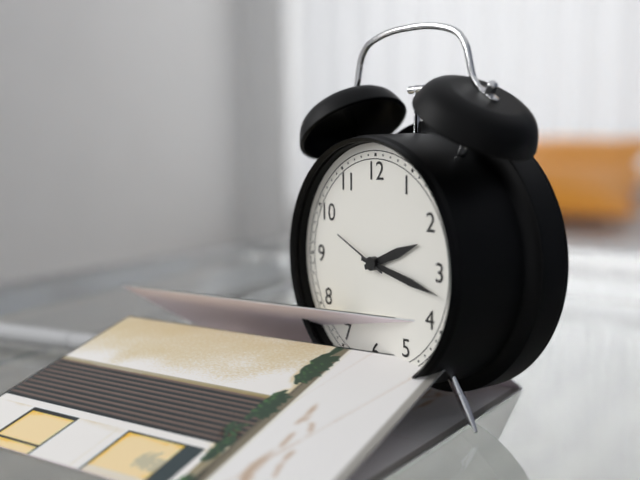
2 h 17 min 49 s
